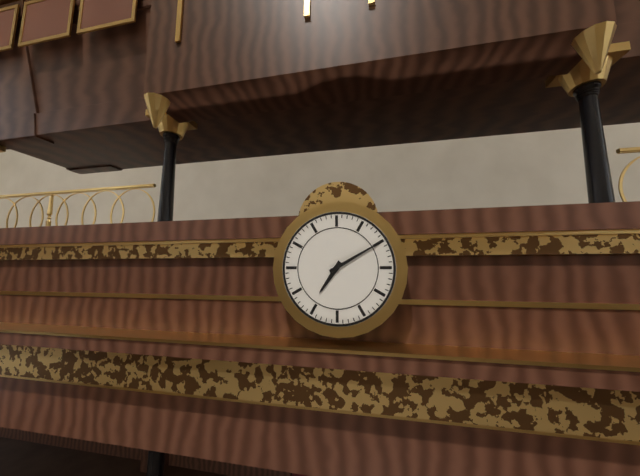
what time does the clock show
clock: 7:10
